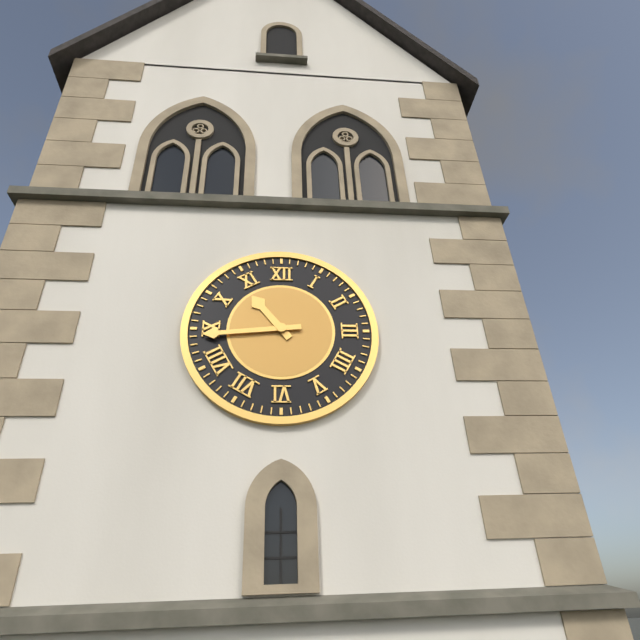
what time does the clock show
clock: 10:44
